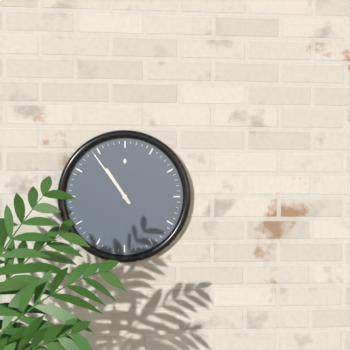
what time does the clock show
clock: 10:54
